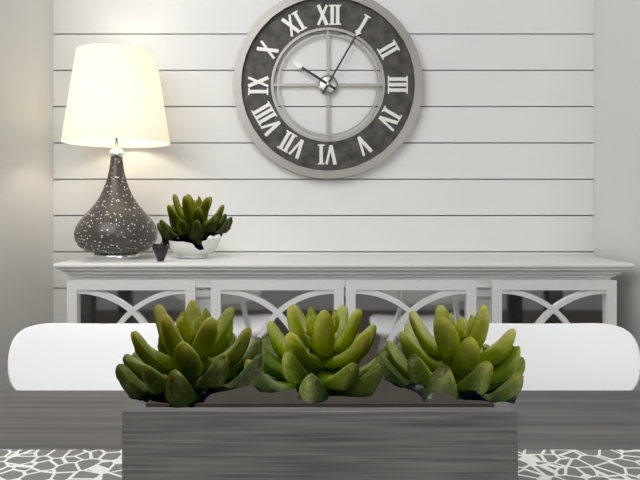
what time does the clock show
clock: 10:05
